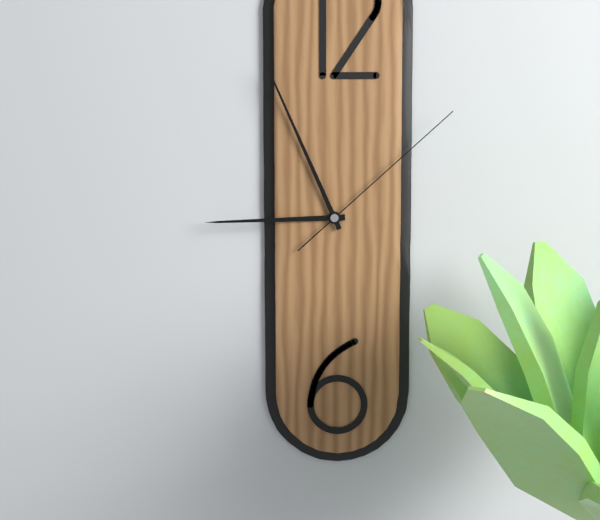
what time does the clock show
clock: 8:56:08
